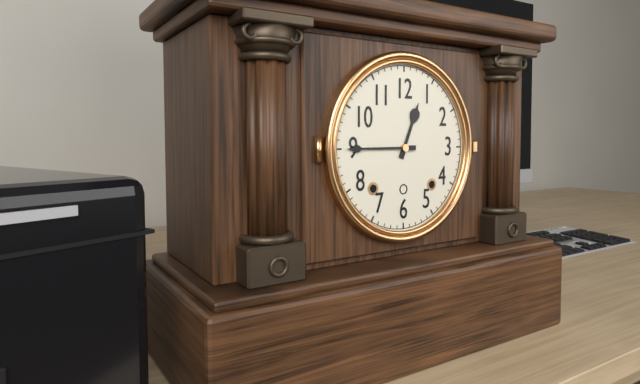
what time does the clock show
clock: 12:45
